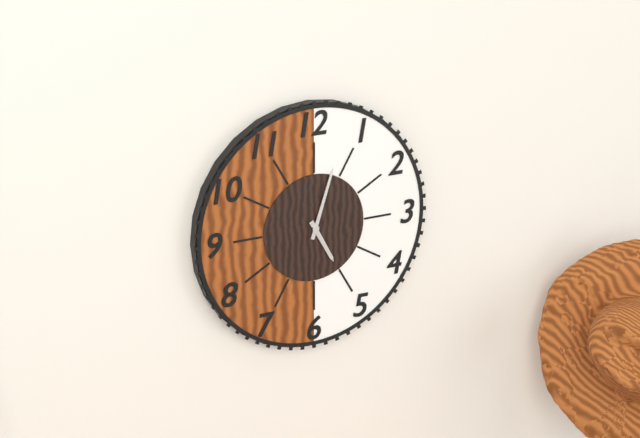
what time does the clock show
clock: 5:03
